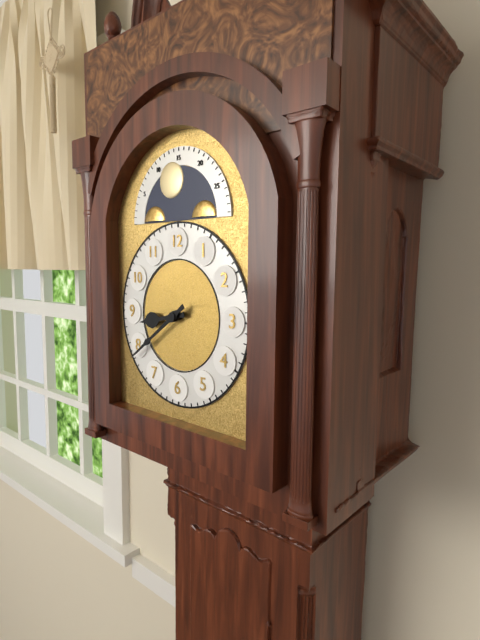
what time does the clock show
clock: 8:39
